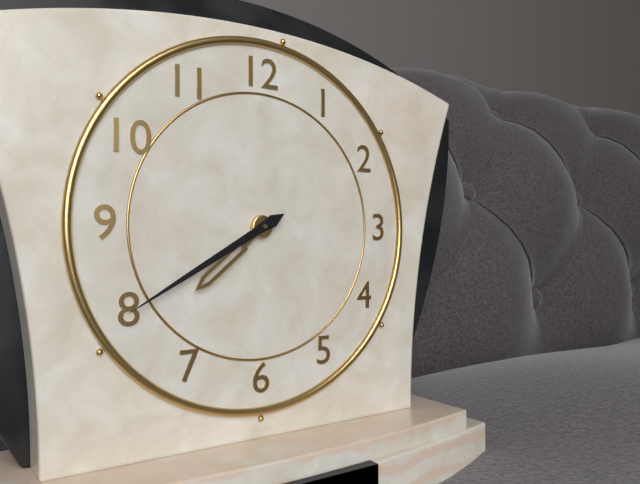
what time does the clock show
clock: 7:40
